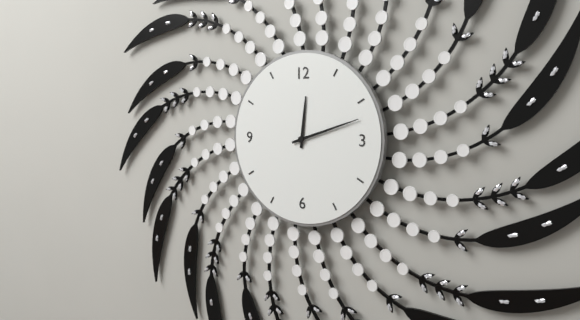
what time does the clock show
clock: 12:12
